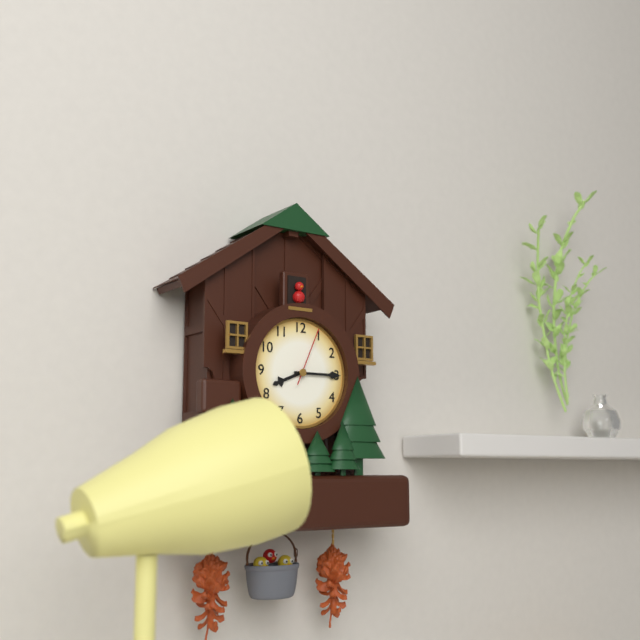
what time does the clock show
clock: 8:15:04
